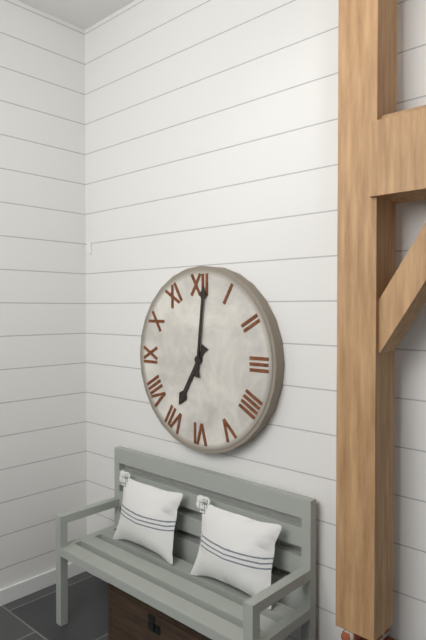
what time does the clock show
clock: 7:01
